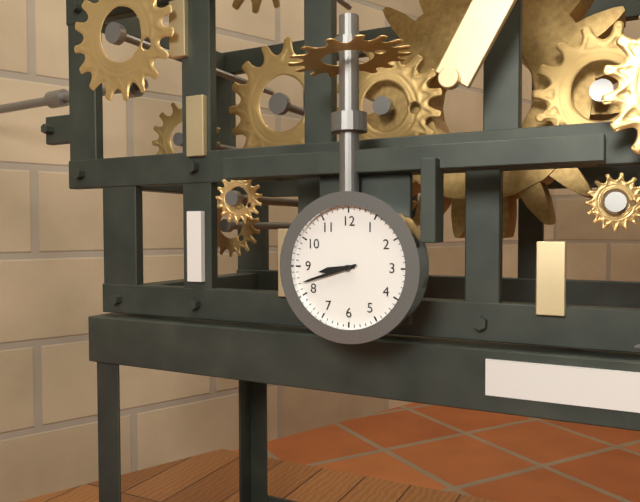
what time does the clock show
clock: 8:42
